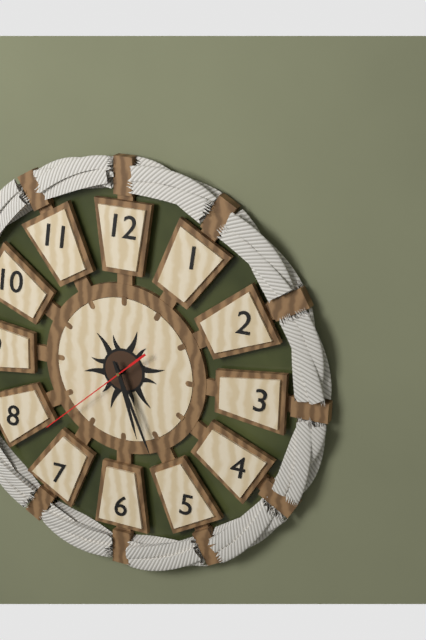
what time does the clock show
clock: 5:26:38
